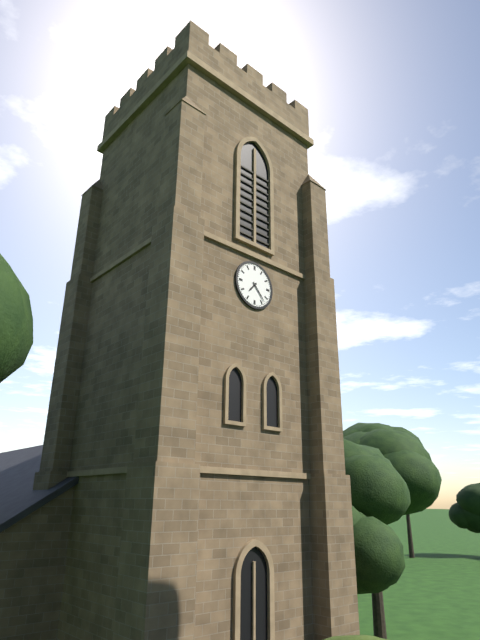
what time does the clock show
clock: 7:23
